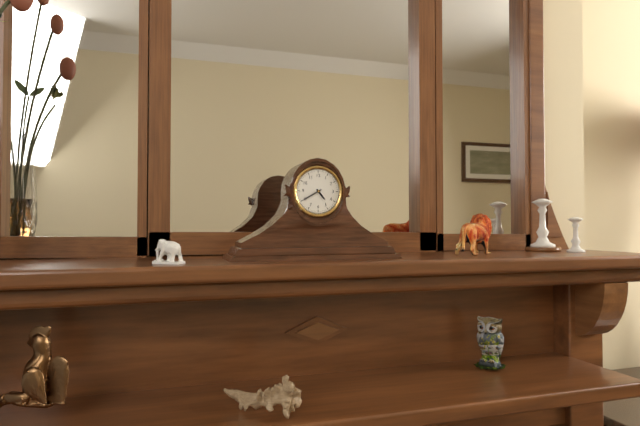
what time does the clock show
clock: 4:40
